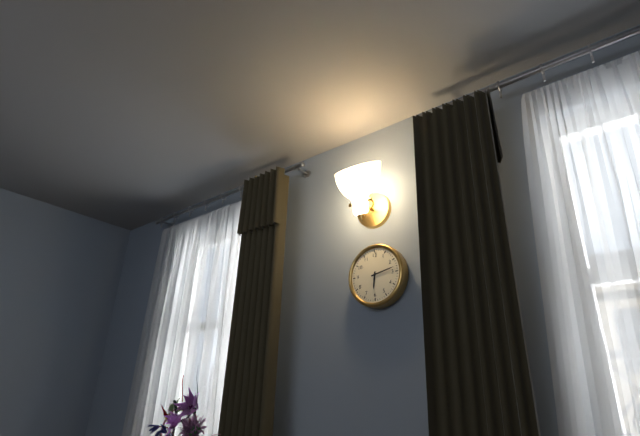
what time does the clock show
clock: 6:13
